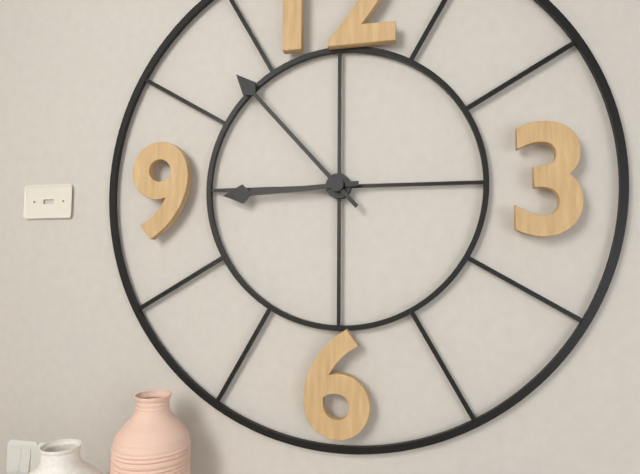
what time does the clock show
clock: 8:53
